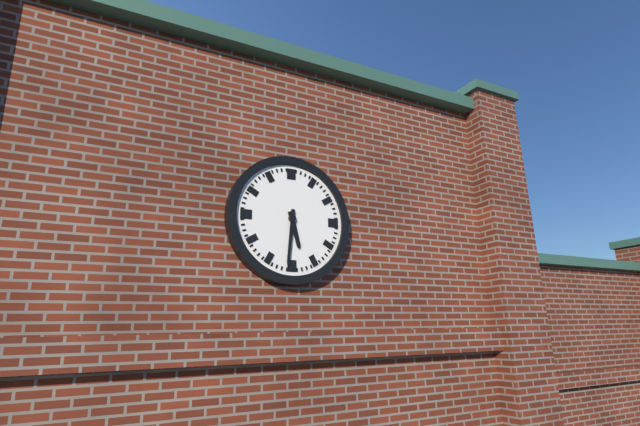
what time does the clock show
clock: 5:31
